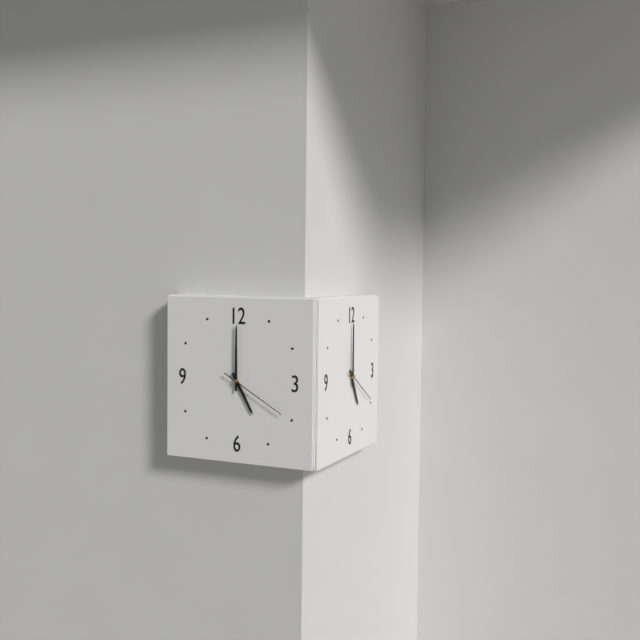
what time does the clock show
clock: 5:00:20
